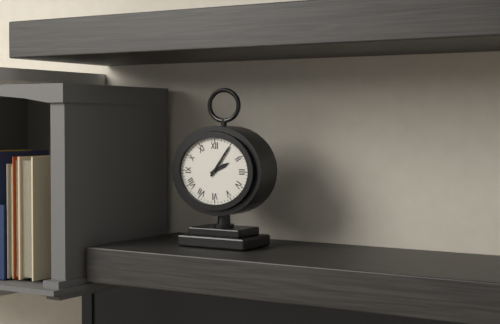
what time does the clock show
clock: 2:06
